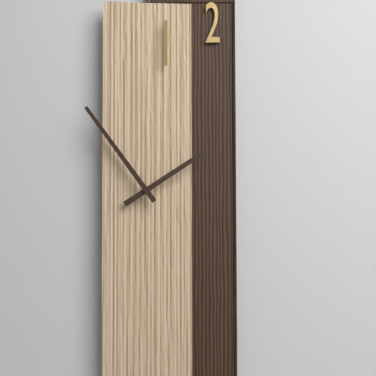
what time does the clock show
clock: 1:54
